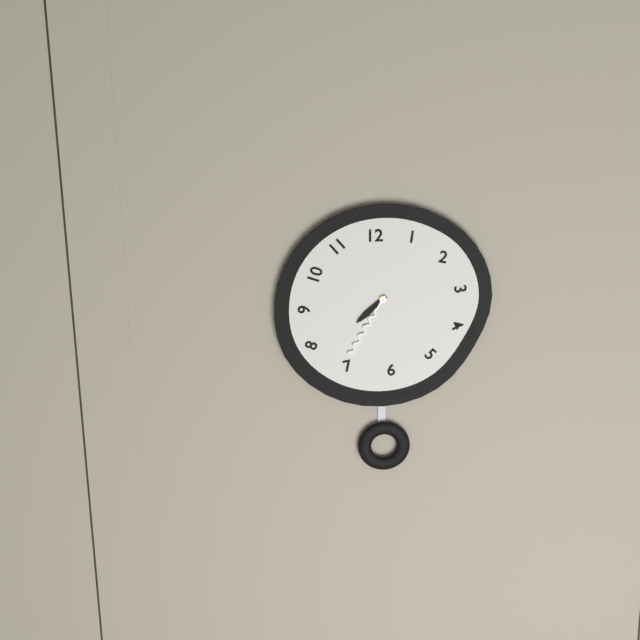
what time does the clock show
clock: 7:35
